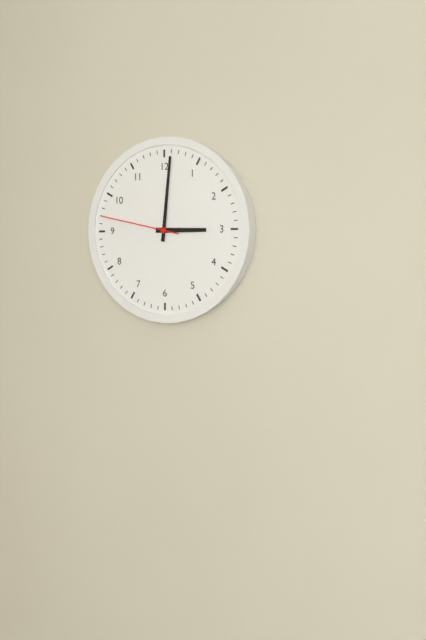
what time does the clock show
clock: 3:01:47
